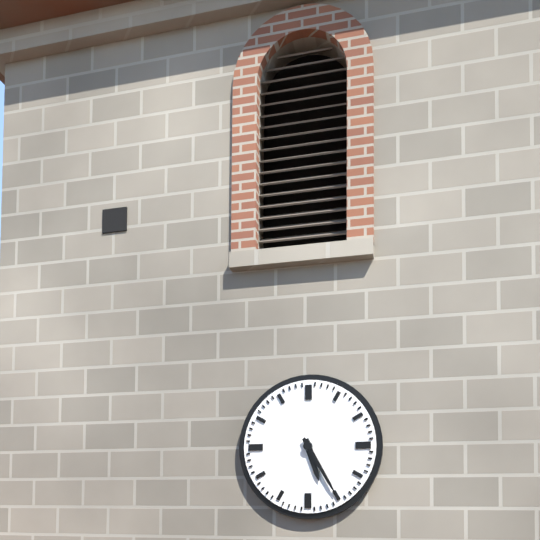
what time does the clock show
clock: 5:25
